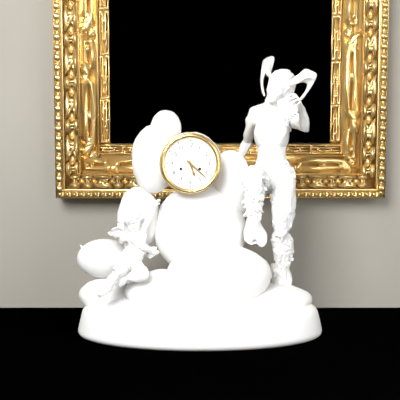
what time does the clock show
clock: 5:22
